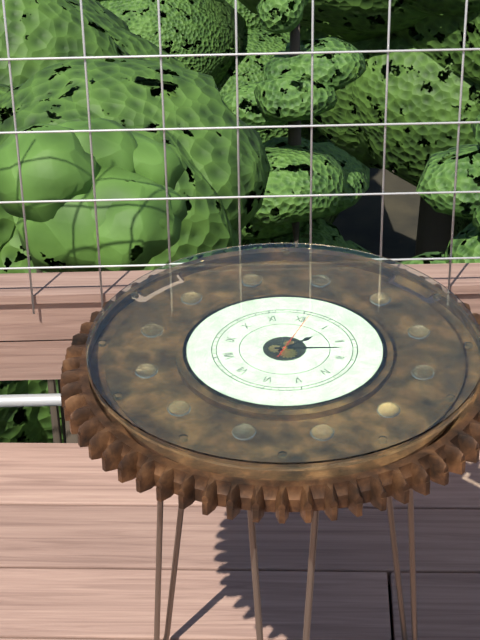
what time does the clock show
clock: 1:12:01
